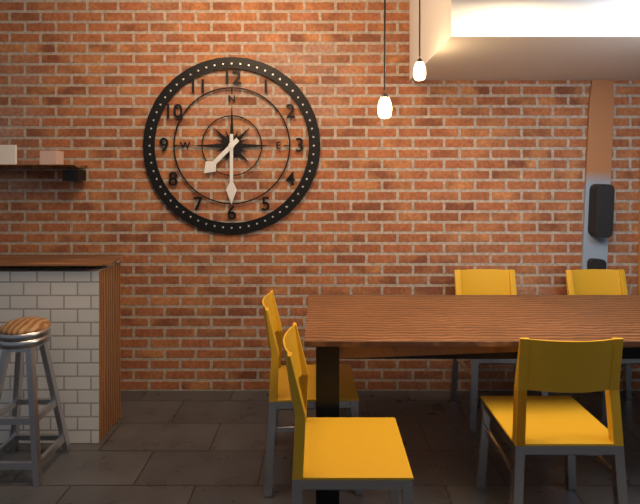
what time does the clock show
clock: 7:30
